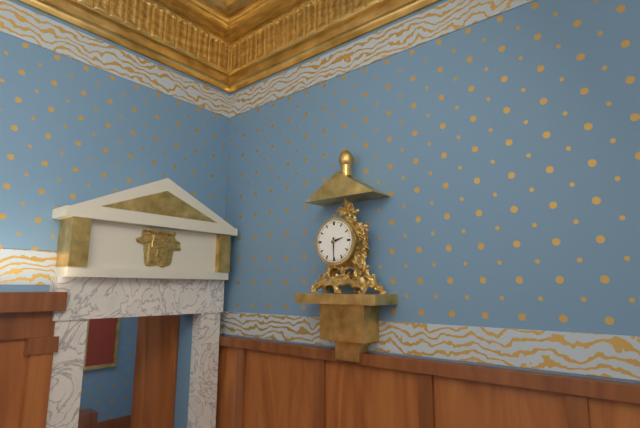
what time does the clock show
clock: 2:30
